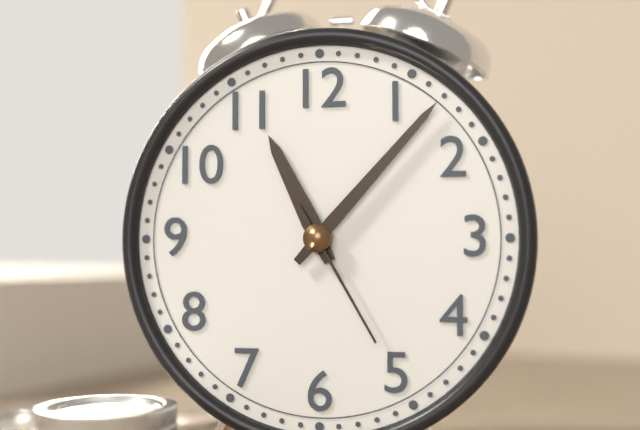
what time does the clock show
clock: 11:07:25
